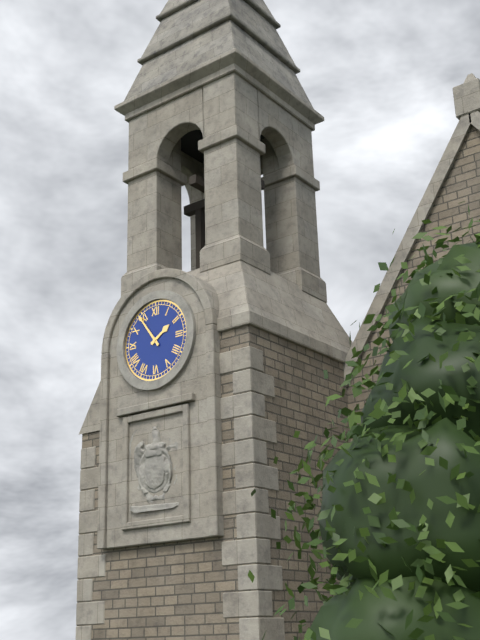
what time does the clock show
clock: 1:54
